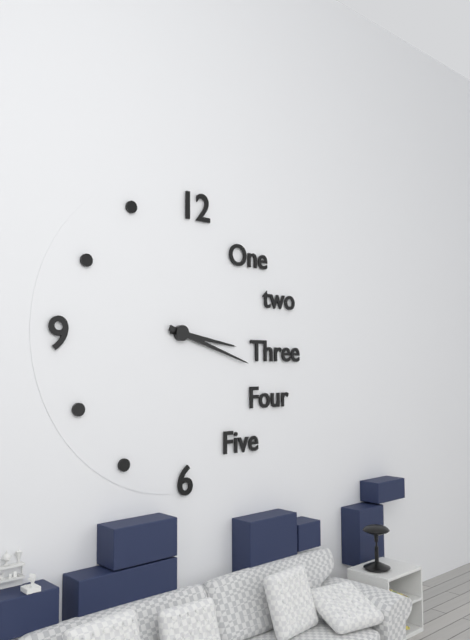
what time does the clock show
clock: 3:18
